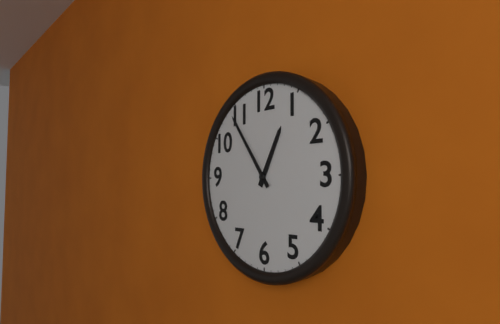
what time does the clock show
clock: 12:54
